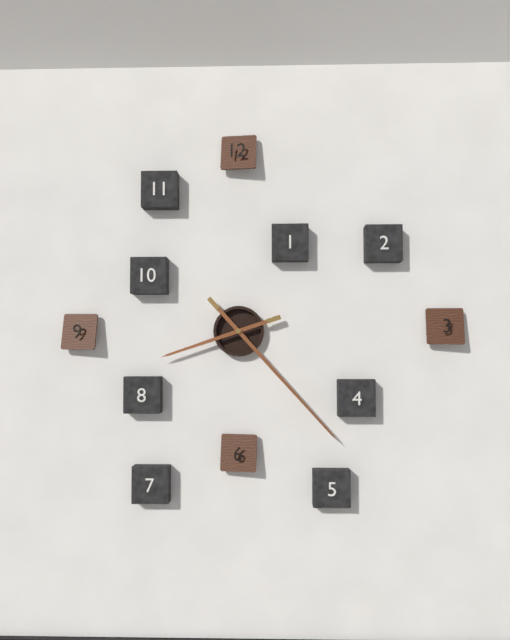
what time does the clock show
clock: 8:23
